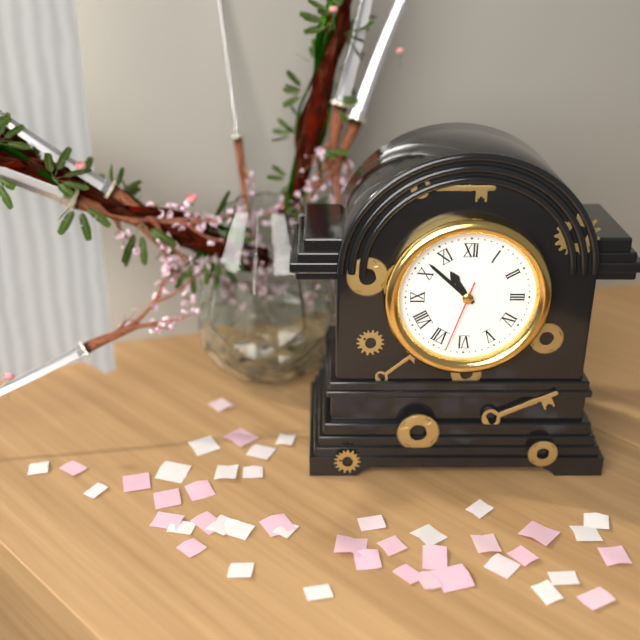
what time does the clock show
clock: 10:52:33
